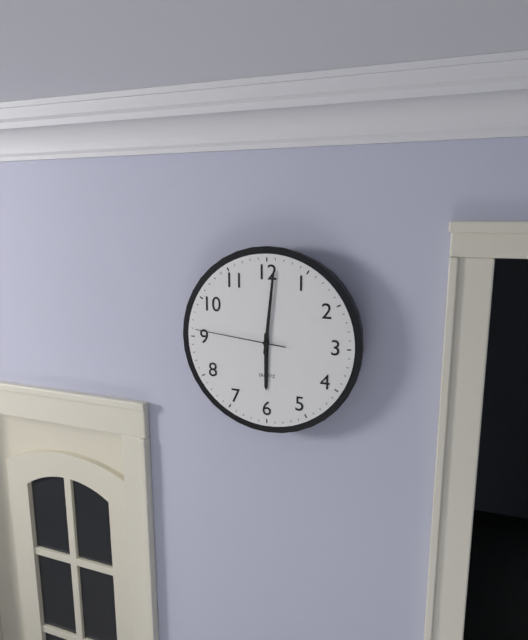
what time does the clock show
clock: 6:01:46
